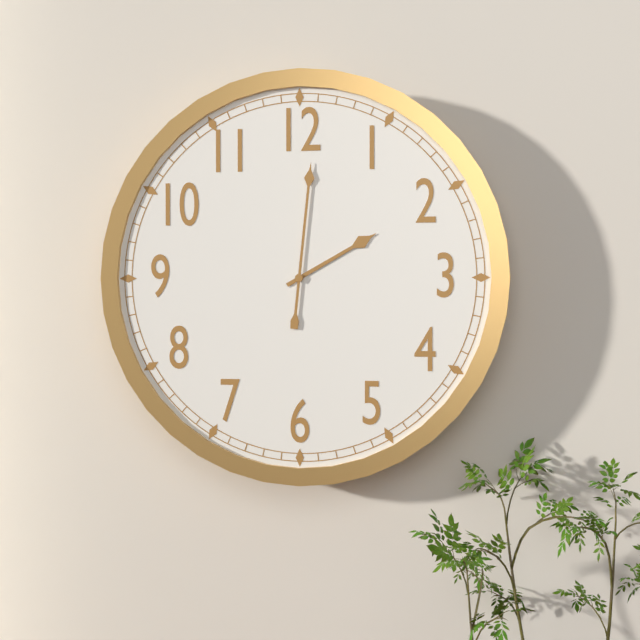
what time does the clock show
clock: 2:01
